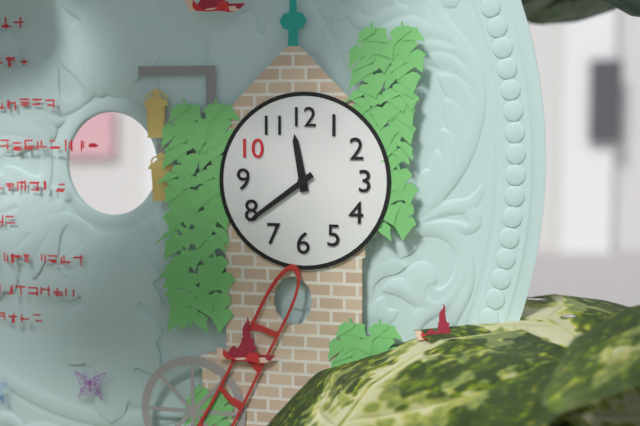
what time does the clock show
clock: 11:39
